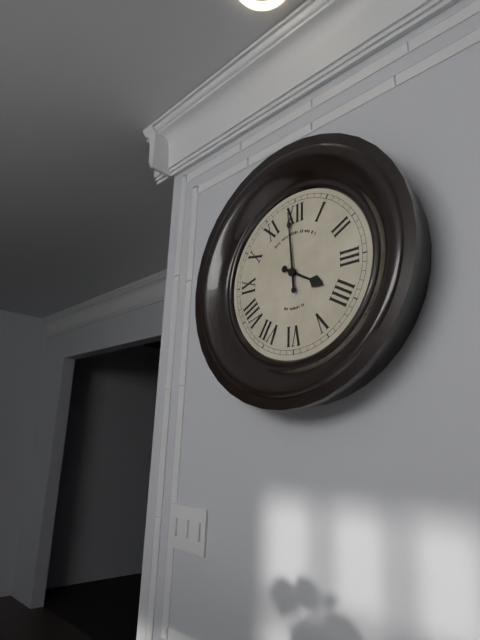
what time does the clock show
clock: 3:59
